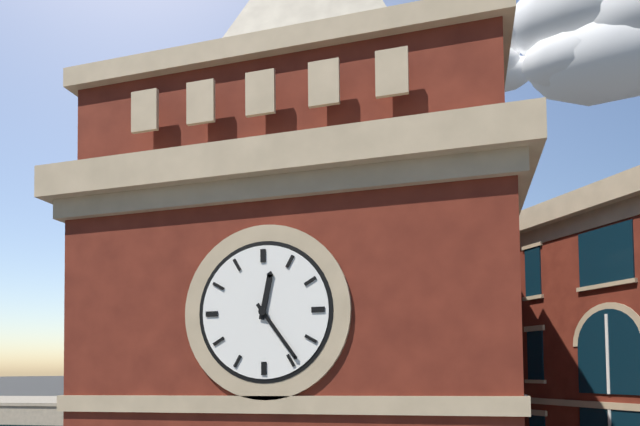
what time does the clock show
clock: 12:24
